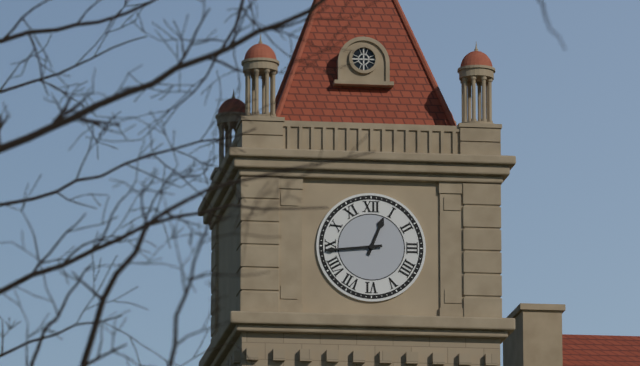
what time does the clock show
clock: 12:44
